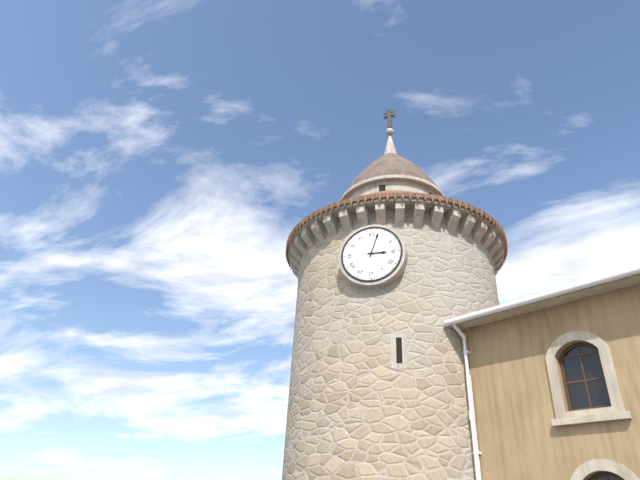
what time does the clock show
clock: 3:03
